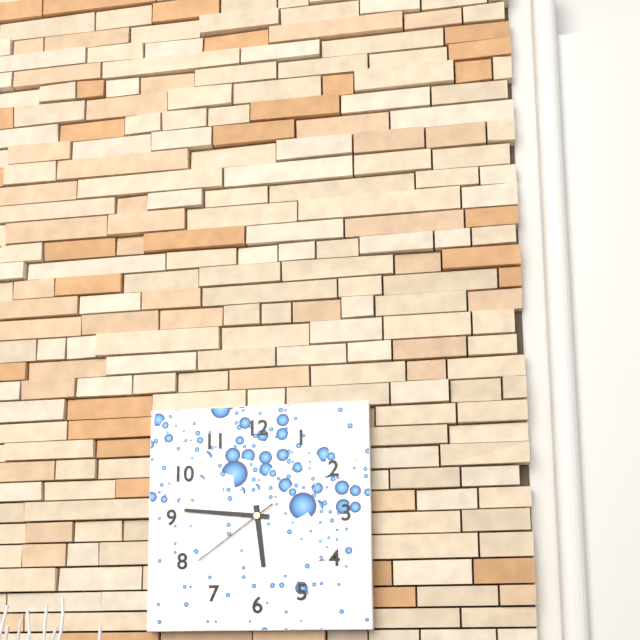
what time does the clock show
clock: 5:46:39
